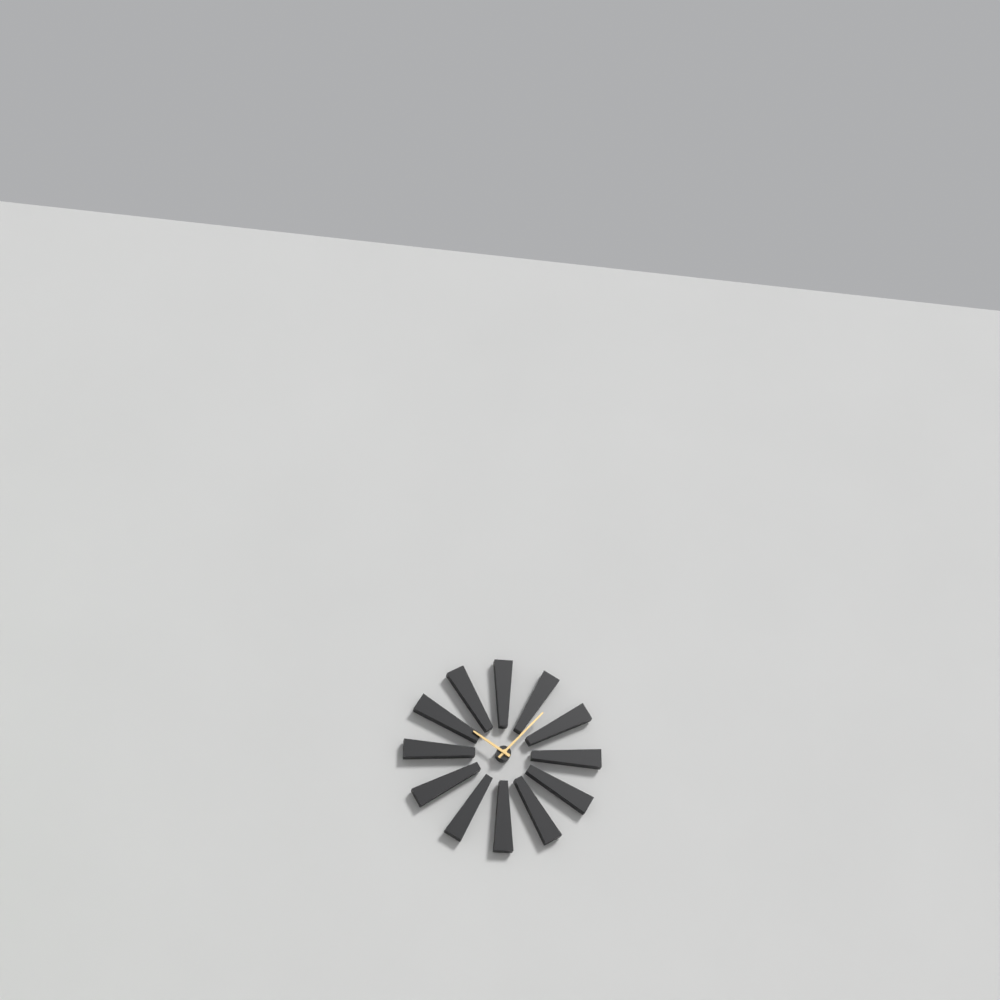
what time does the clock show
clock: 10:07
